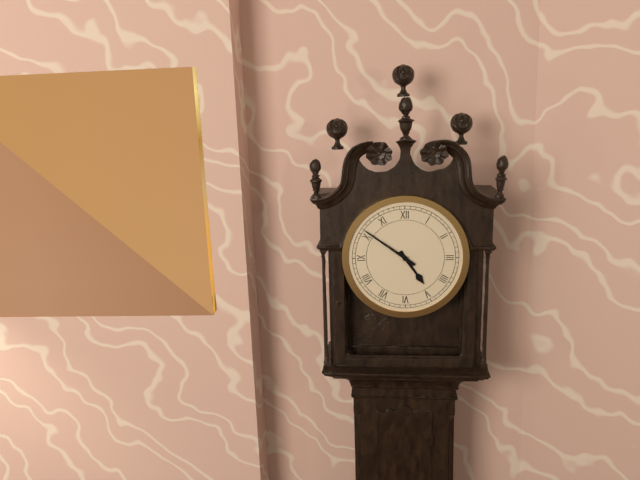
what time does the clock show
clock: 4:51
